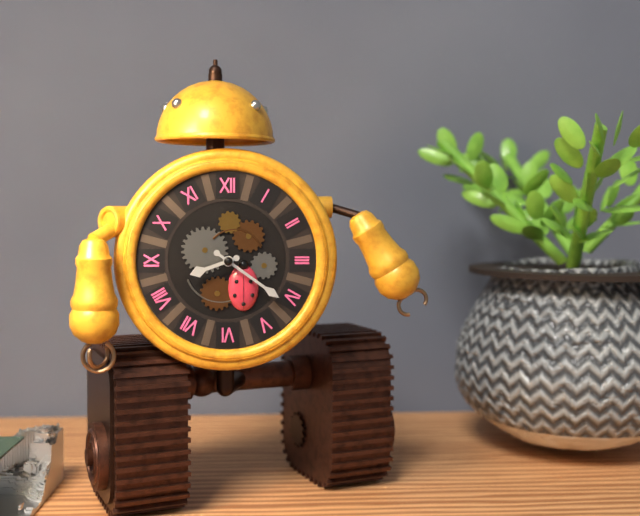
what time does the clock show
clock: 8:21
